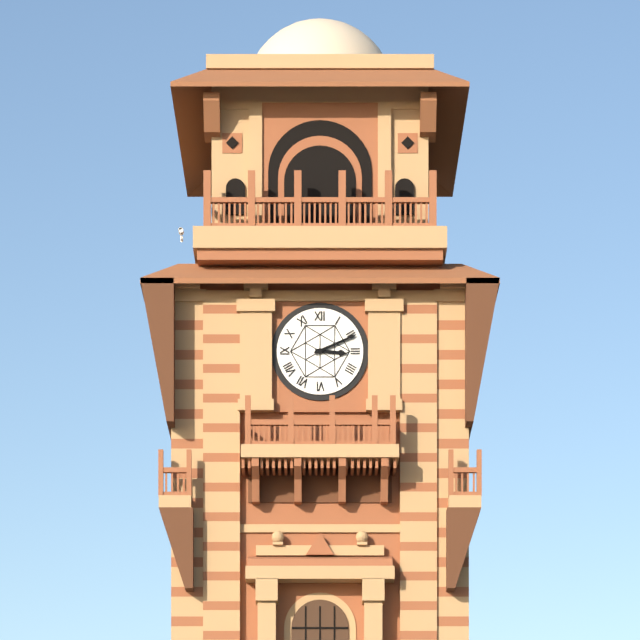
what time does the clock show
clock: 3:11
